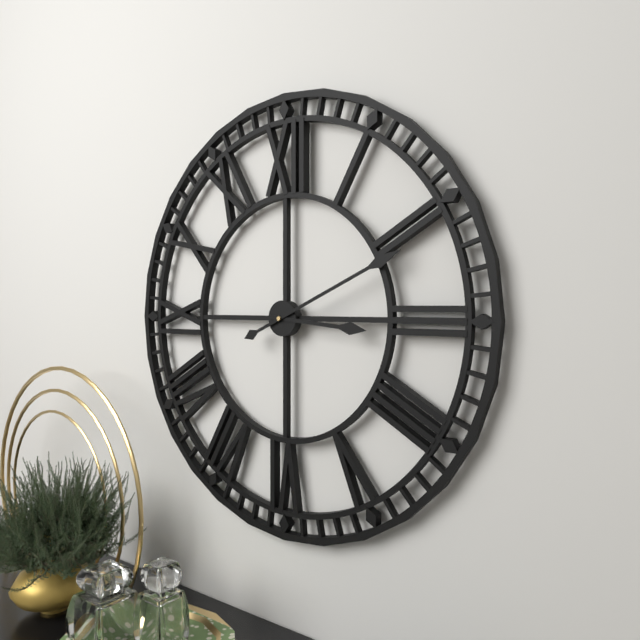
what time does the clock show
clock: 3:11
